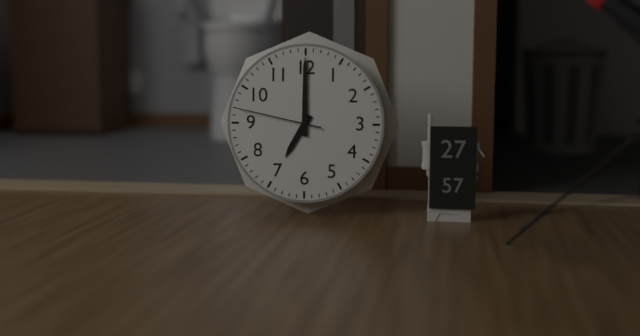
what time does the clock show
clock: 7:00:47
